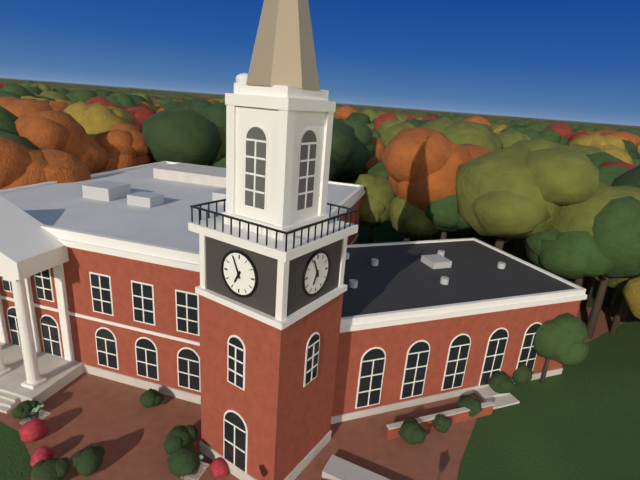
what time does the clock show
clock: 6:56
